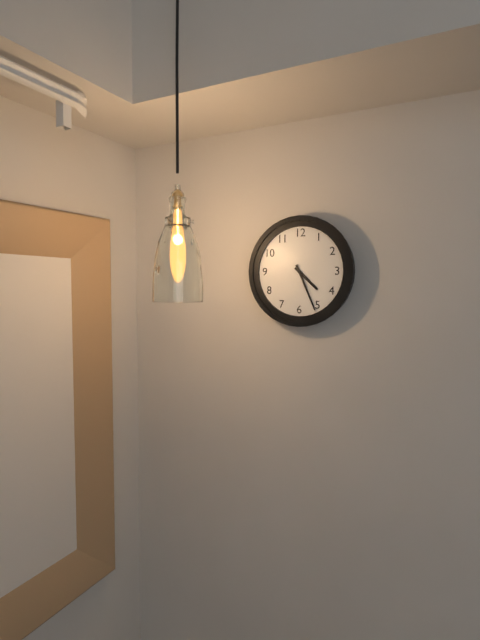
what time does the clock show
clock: 4:26
